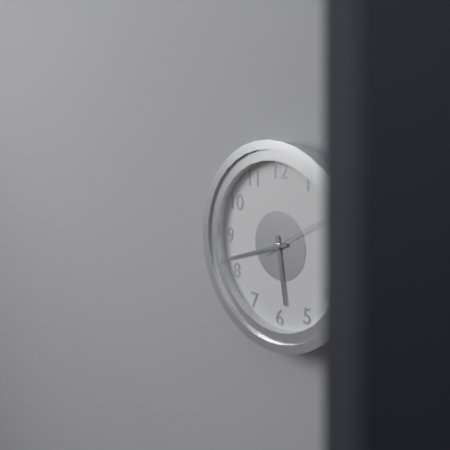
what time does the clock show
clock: 5:42:10
